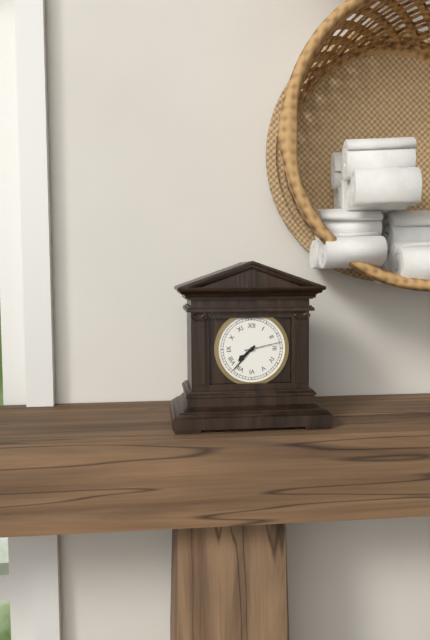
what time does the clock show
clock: 7:37
